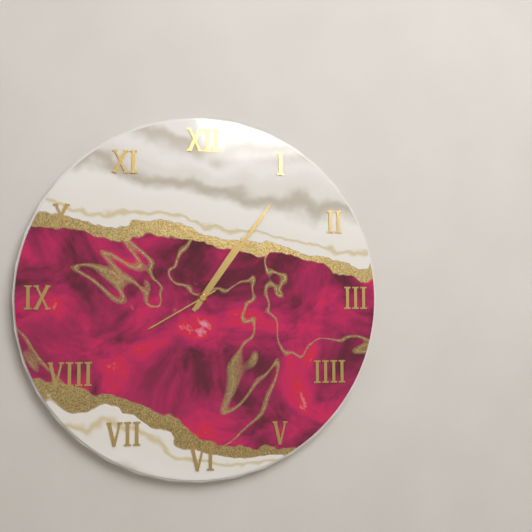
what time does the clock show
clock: 1:06:40
